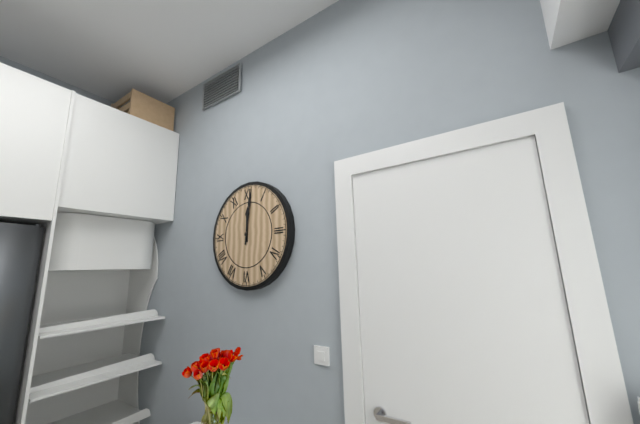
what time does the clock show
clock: 12:01
